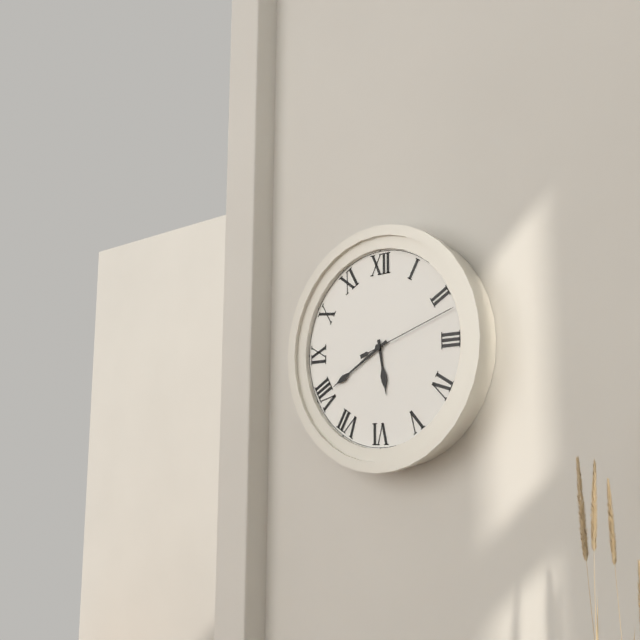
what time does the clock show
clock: 5:40:12
